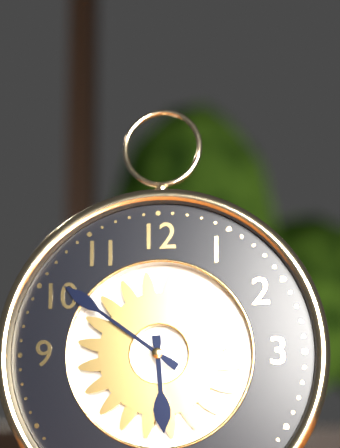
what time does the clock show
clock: 5:51
